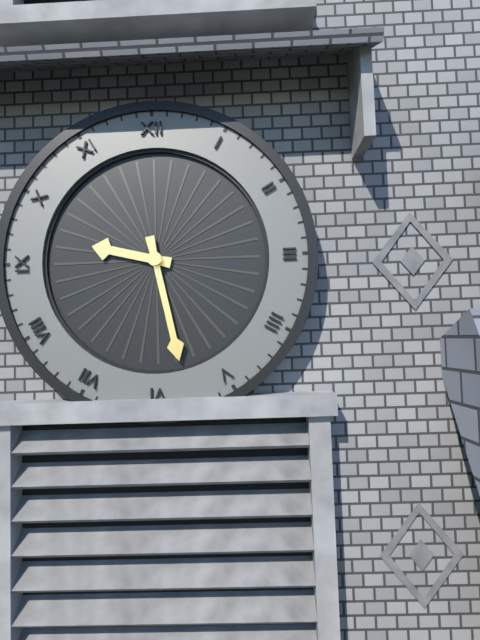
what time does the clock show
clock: 9:28
